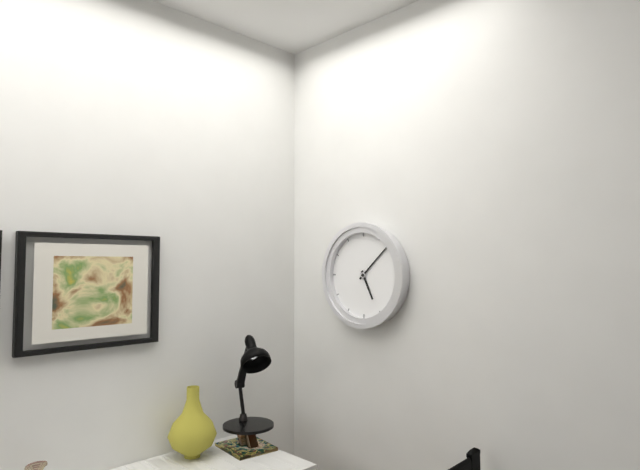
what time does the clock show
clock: 5:08
